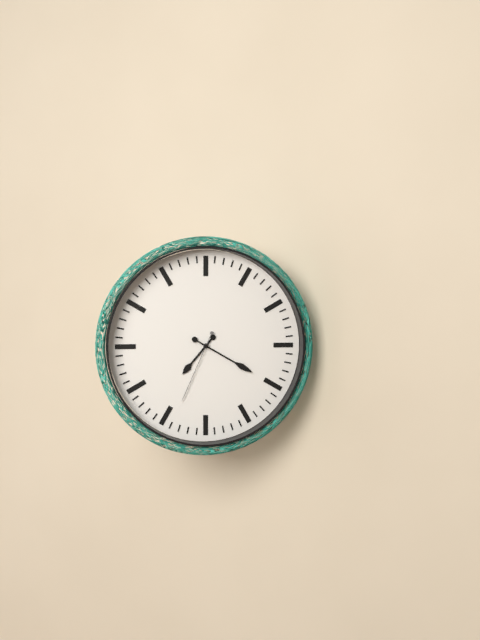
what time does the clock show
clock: 7:20:34
